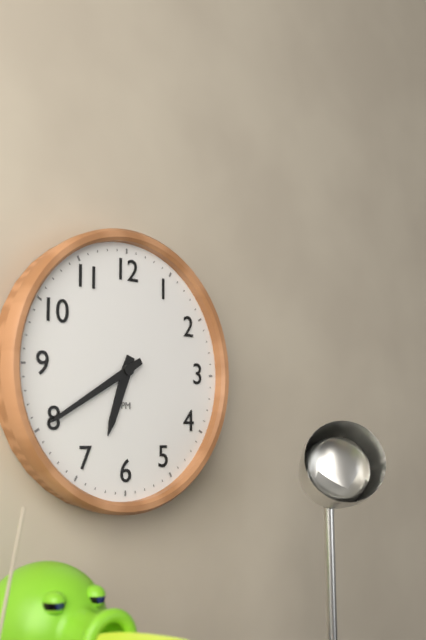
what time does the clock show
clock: 6:40
